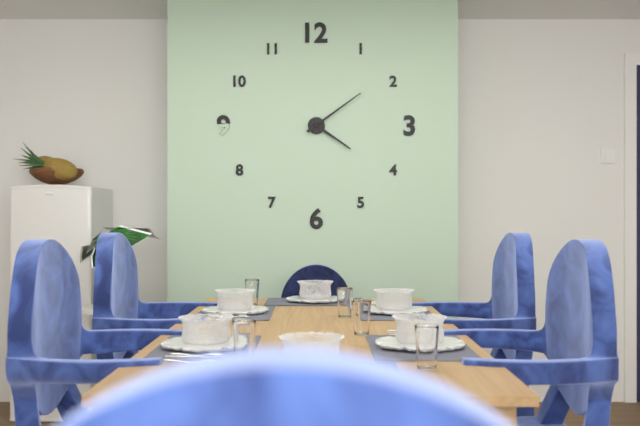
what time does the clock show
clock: 4:09
